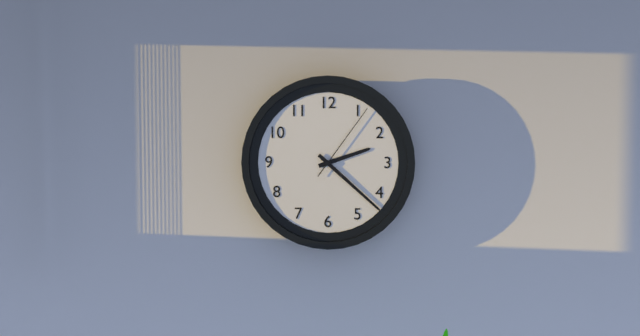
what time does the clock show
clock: 2:22:06
